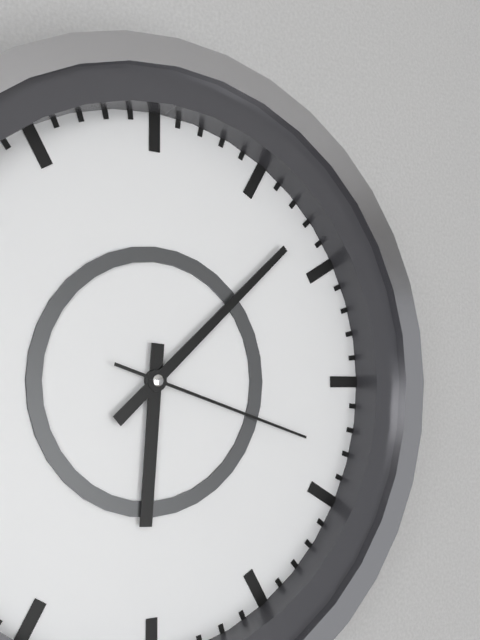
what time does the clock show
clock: 6:08:18
